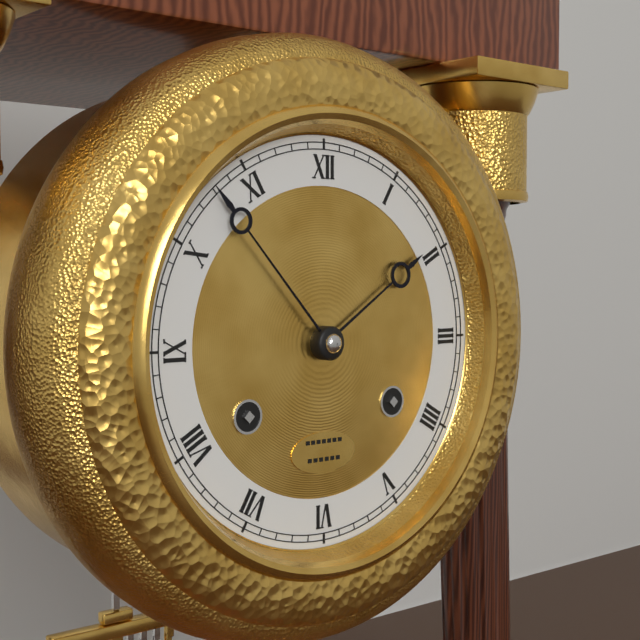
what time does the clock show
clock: 1:53
